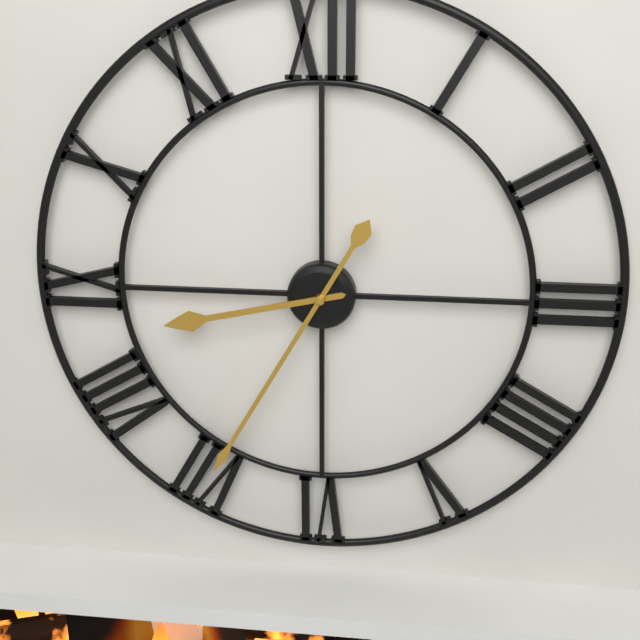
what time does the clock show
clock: 8:35
